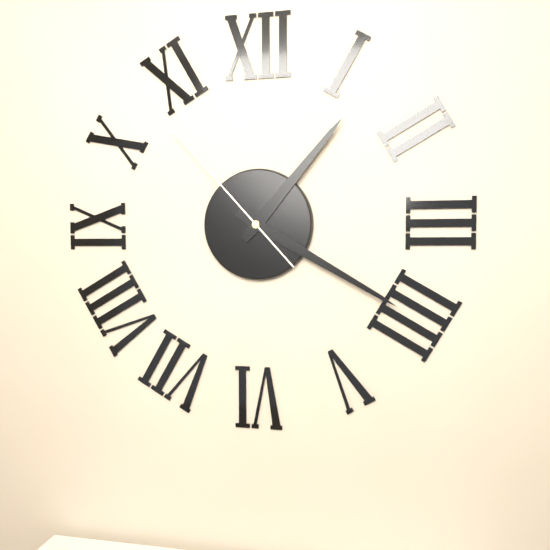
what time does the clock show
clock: 1:20:53
